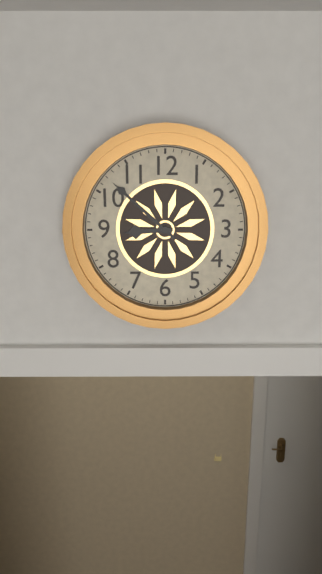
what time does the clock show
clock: 8:52
